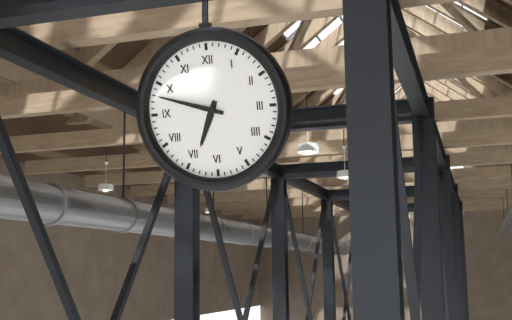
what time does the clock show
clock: 6:48
